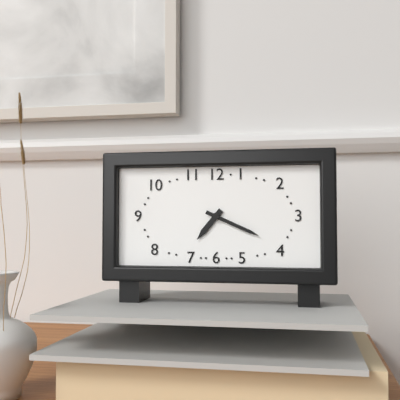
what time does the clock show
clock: 7:19
